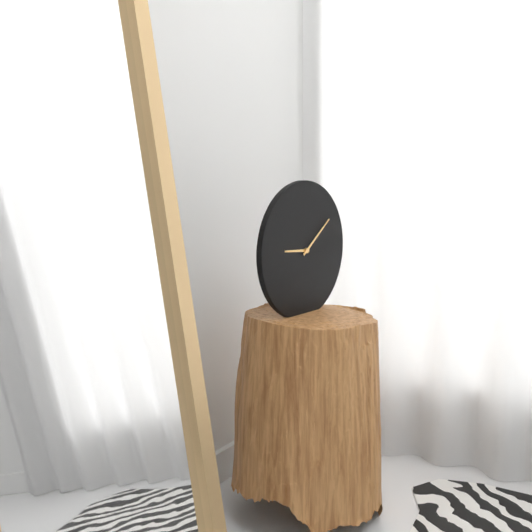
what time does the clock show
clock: 9:09
